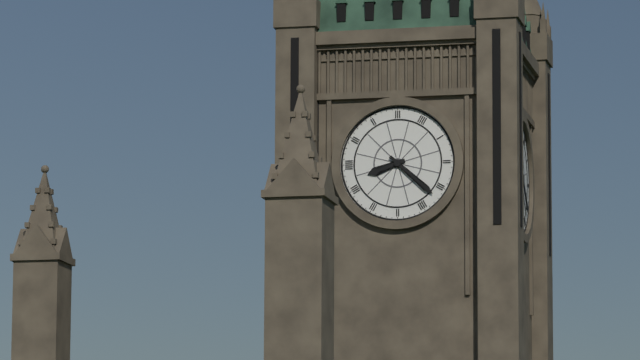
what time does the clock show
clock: 8:22
